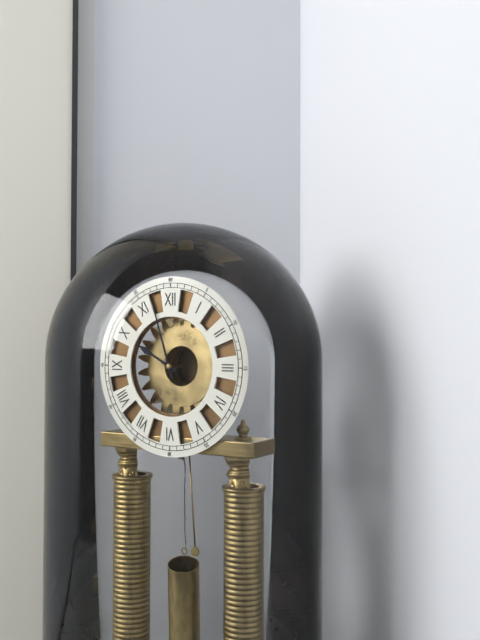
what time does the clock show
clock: 9:57
